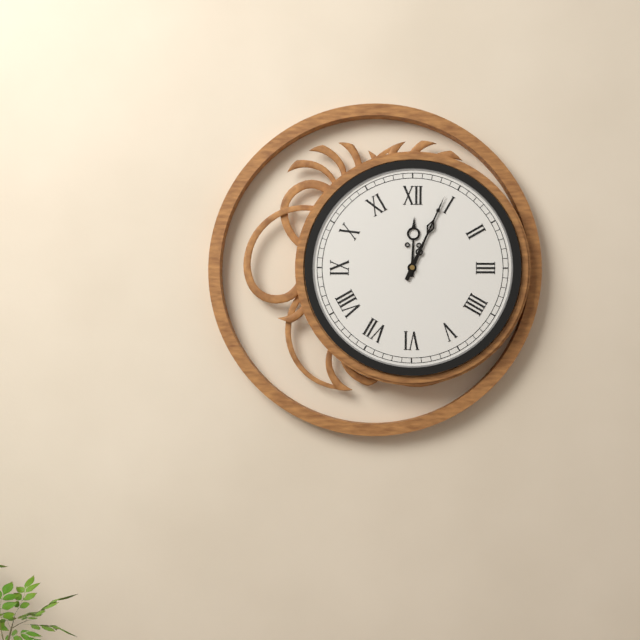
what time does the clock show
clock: 12:04
